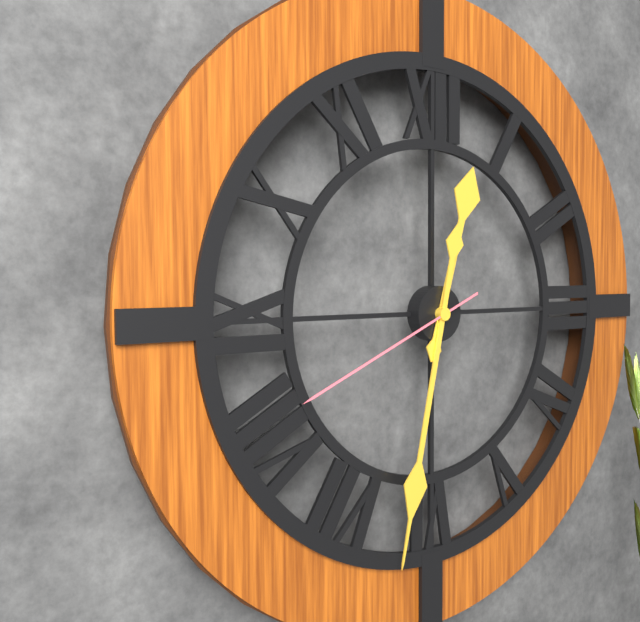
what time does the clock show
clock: 12:32:41
